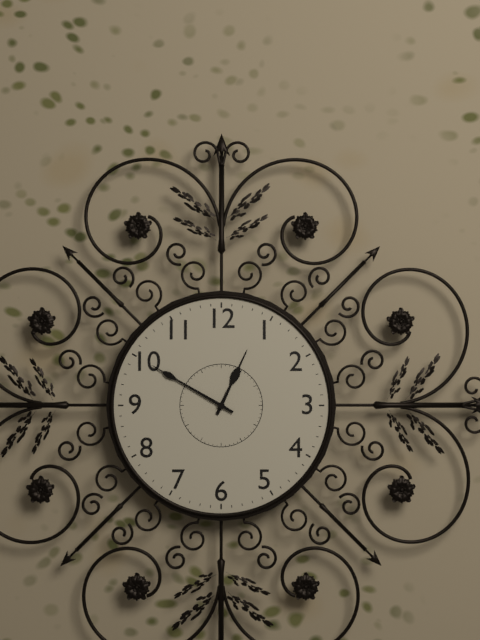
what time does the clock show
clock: 12:50
